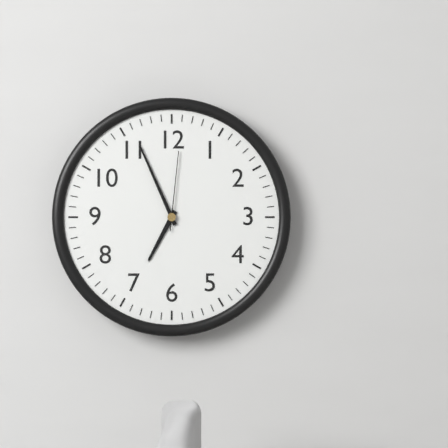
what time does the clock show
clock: 6:56:01
